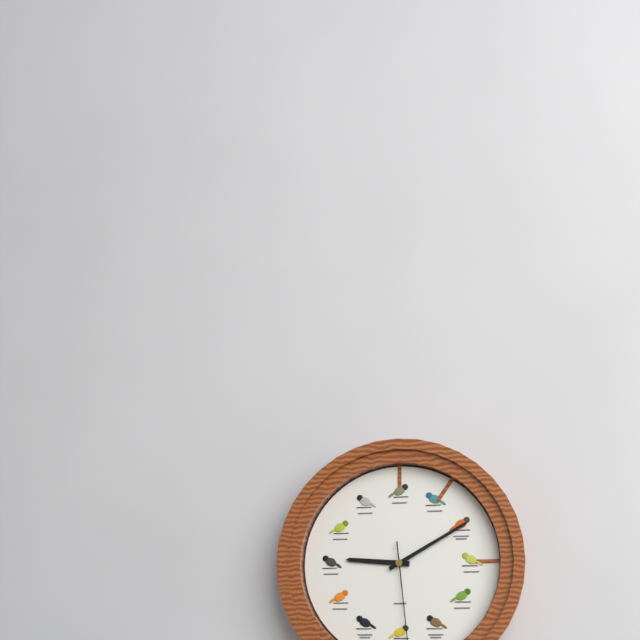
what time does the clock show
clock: 9:10
